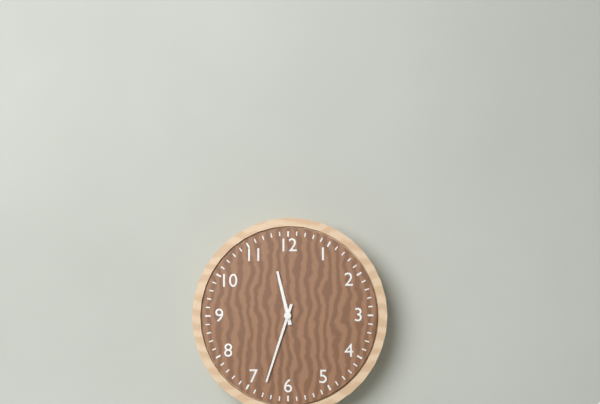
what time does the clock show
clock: 11:33
